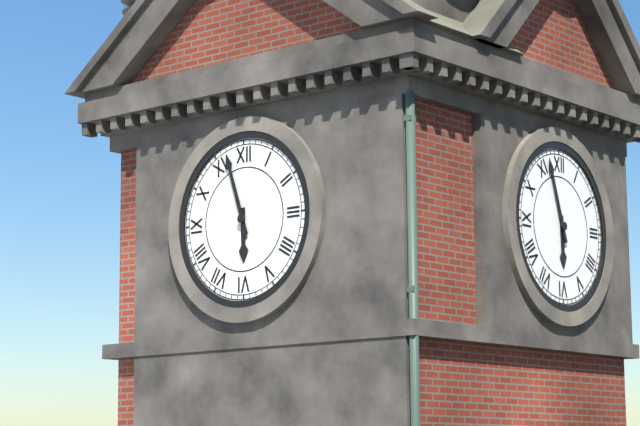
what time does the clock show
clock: 5:57
